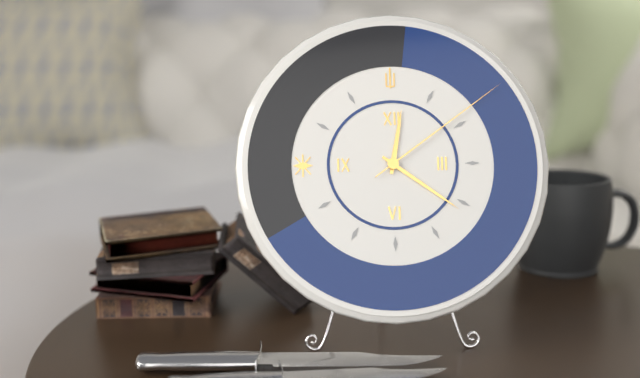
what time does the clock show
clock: 12:21:09
